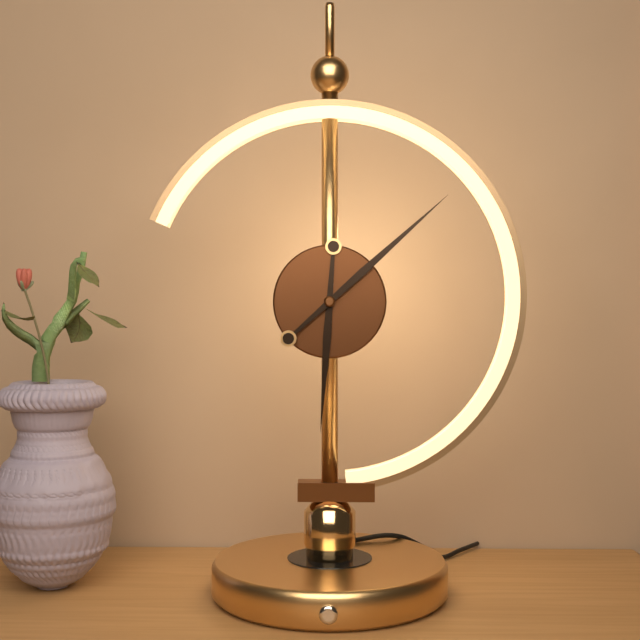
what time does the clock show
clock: 6:08
